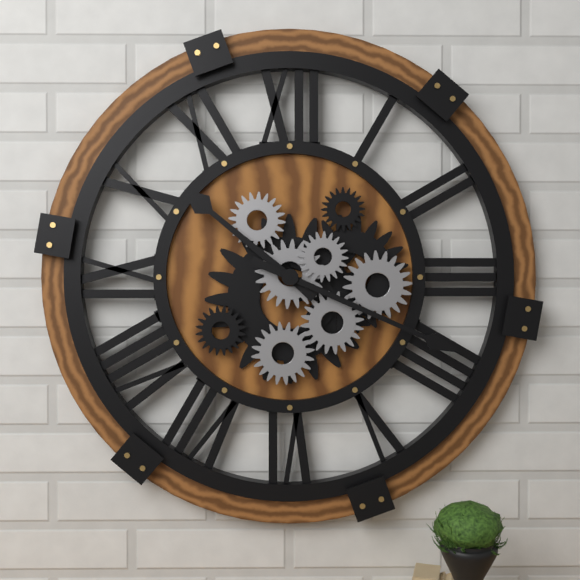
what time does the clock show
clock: 10:19
